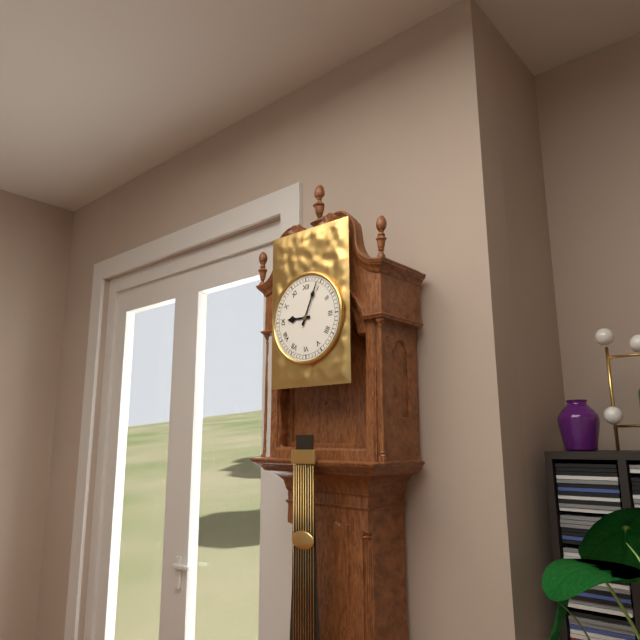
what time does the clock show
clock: 9:04
